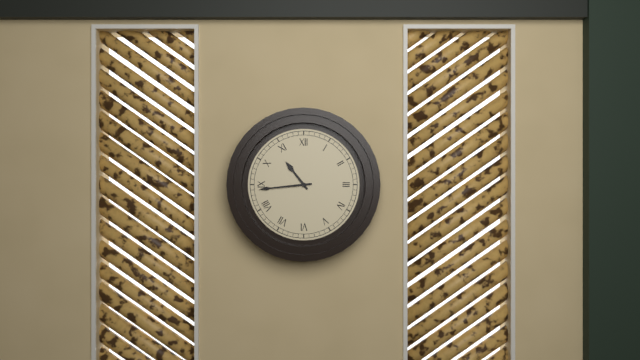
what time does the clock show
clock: 10:44
